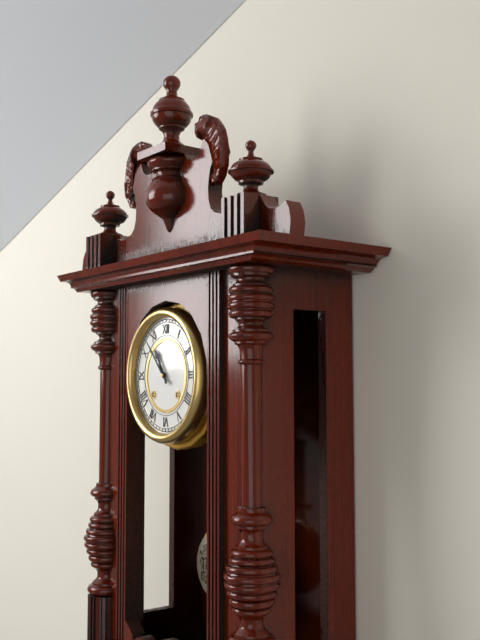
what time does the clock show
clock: 10:53
